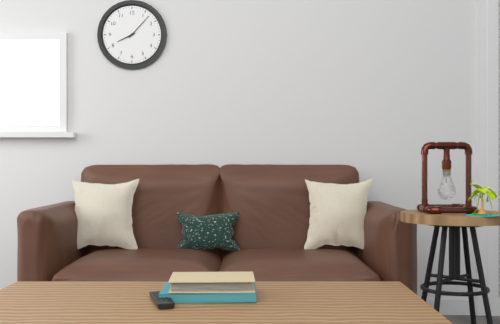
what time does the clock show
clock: 8:07
